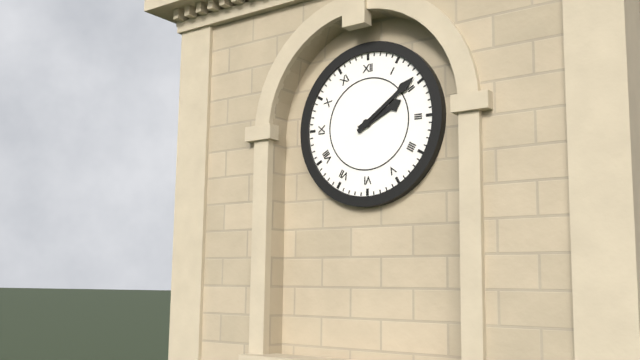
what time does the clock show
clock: 2:09
